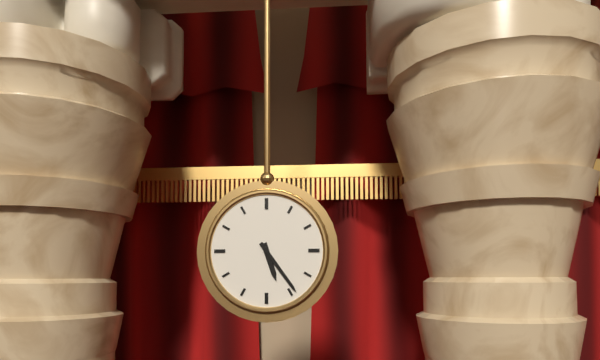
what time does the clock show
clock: 5:24
